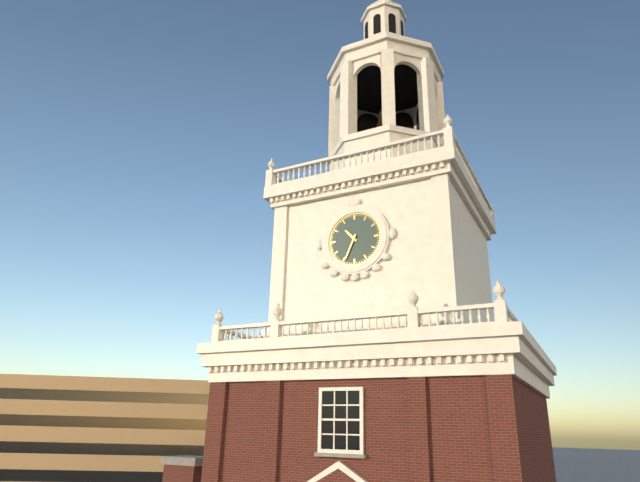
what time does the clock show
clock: 10:34
